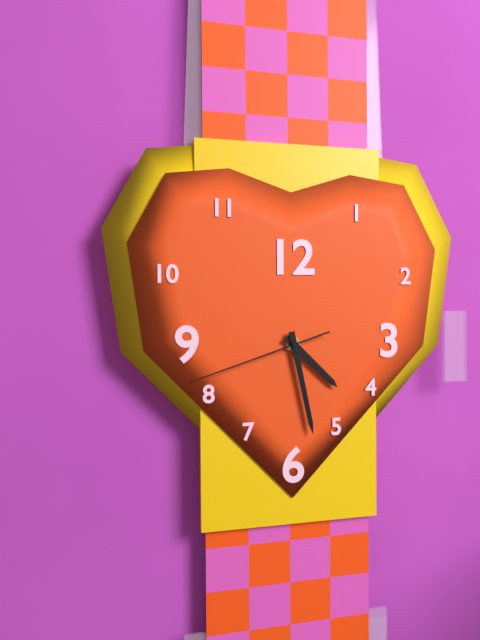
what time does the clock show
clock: 4:28:42
